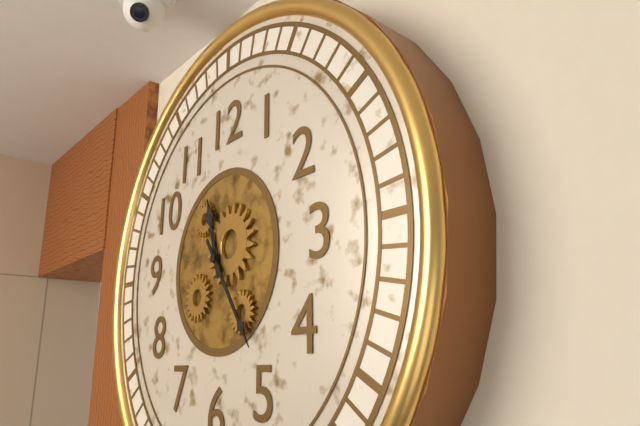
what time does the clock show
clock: 11:24
